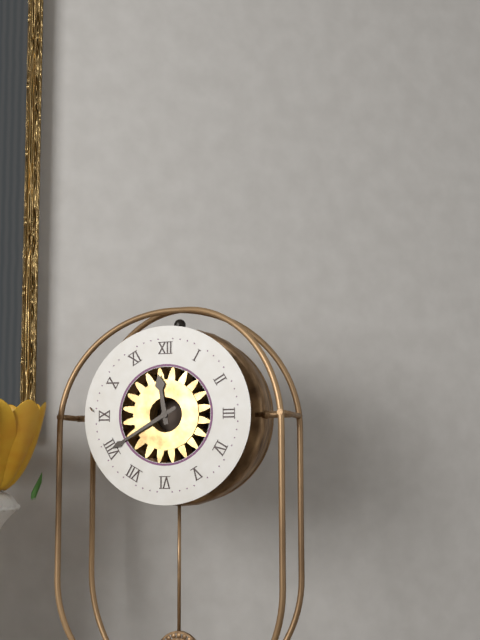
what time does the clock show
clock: 11:40
